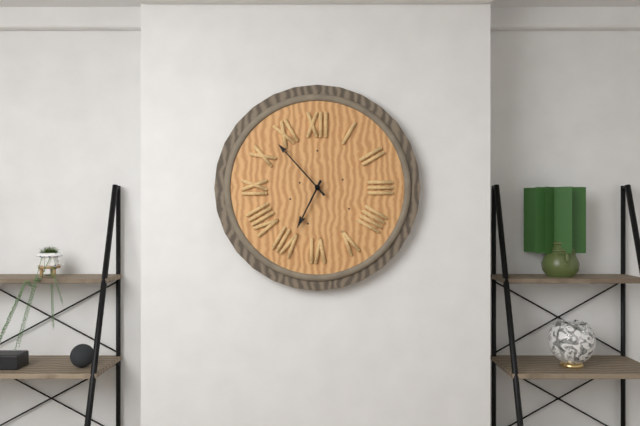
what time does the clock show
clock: 6:53
